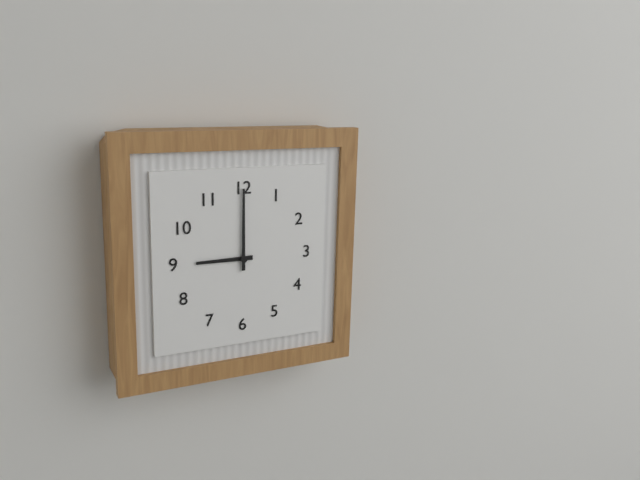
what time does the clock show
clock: 9:00
